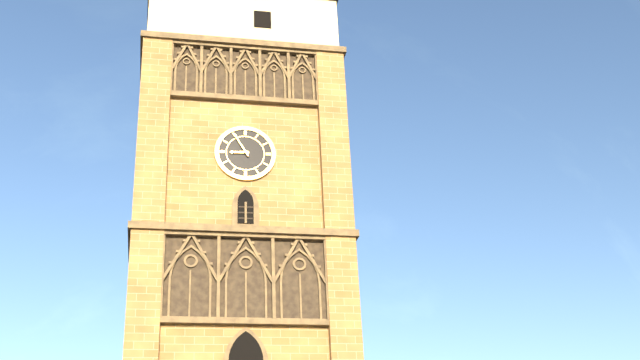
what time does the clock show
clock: 8:55
